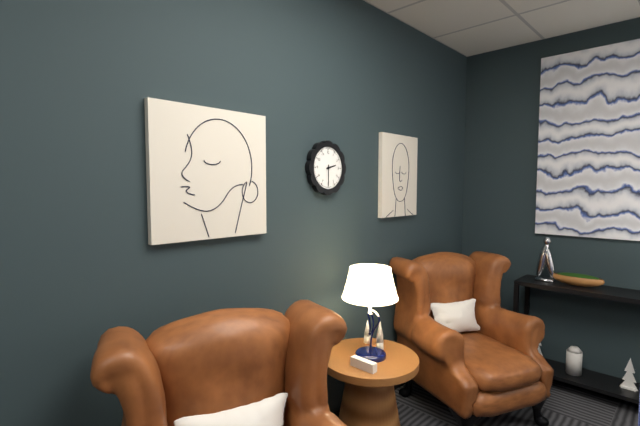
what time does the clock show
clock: 2:30
